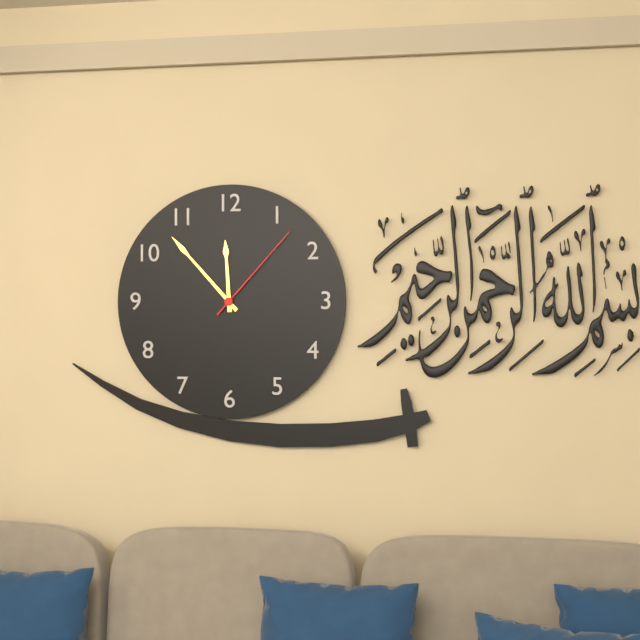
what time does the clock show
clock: 11:53:07
